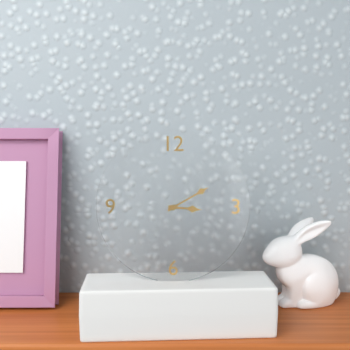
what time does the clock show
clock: 3:10
